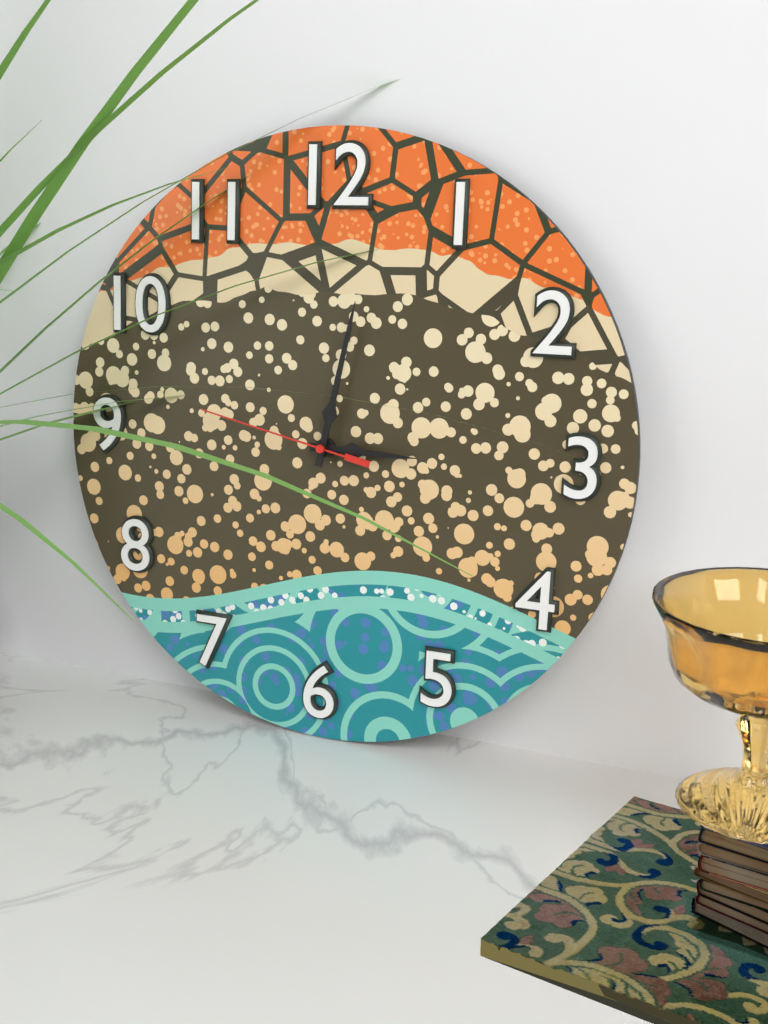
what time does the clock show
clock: 3:02:47
